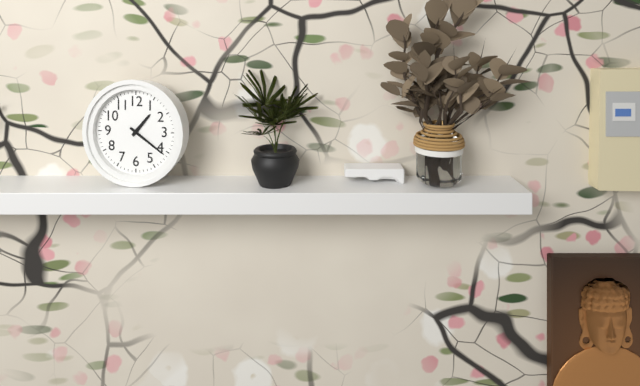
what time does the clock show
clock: 1:21
